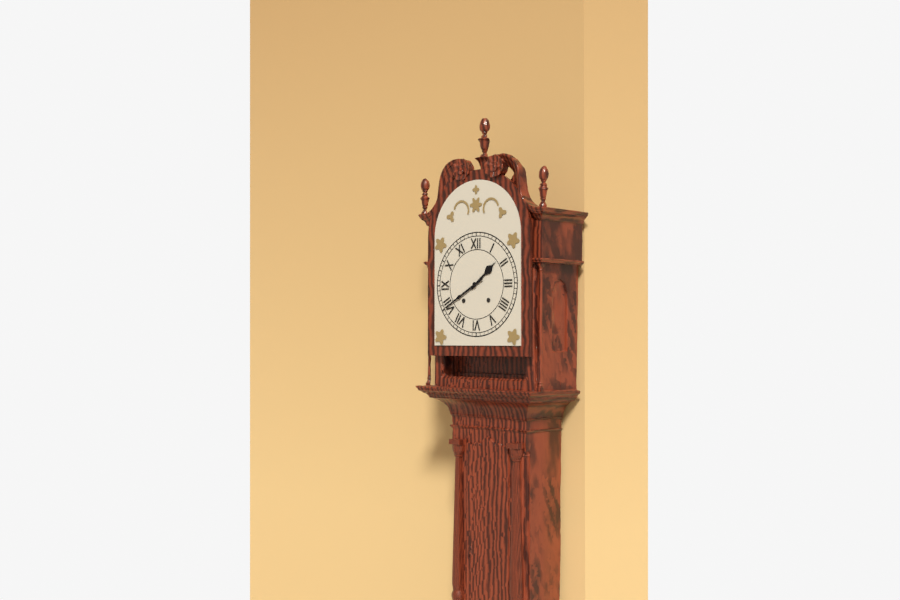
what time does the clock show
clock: 1:40
